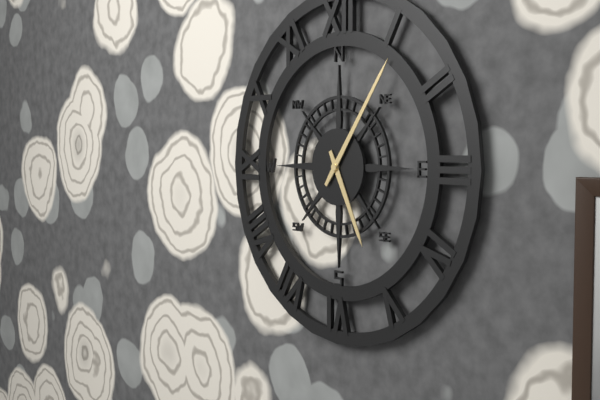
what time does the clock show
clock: 5:06
